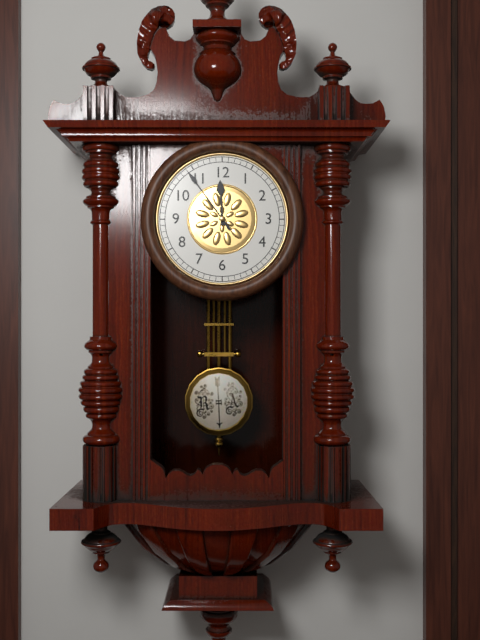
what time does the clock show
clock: 11:54
